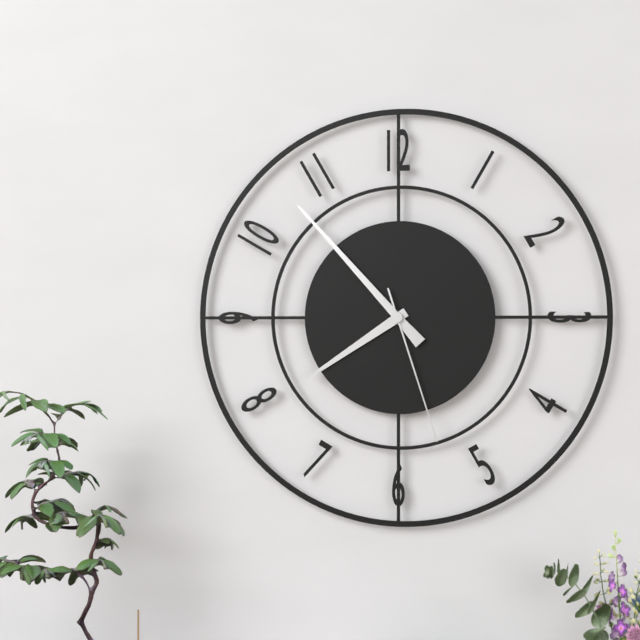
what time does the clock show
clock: 7:53:27
